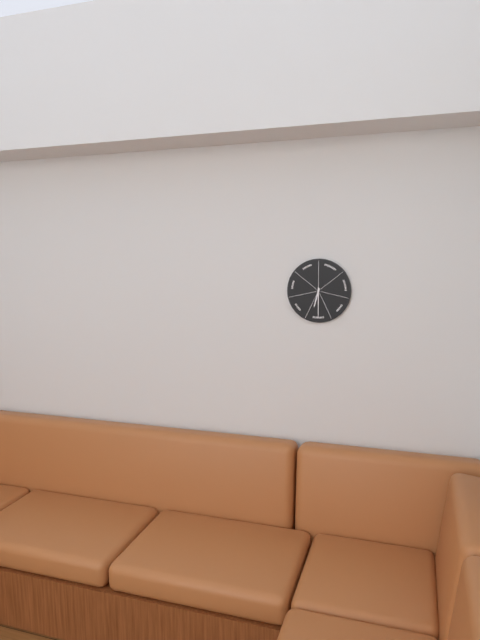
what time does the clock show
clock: 6:30
